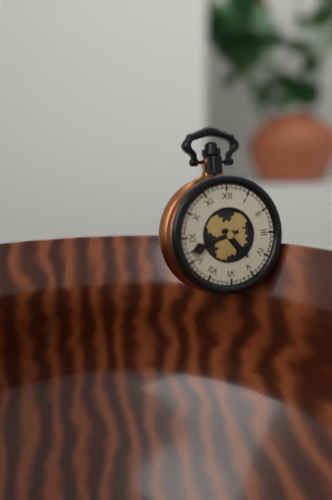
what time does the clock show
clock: 4:42
